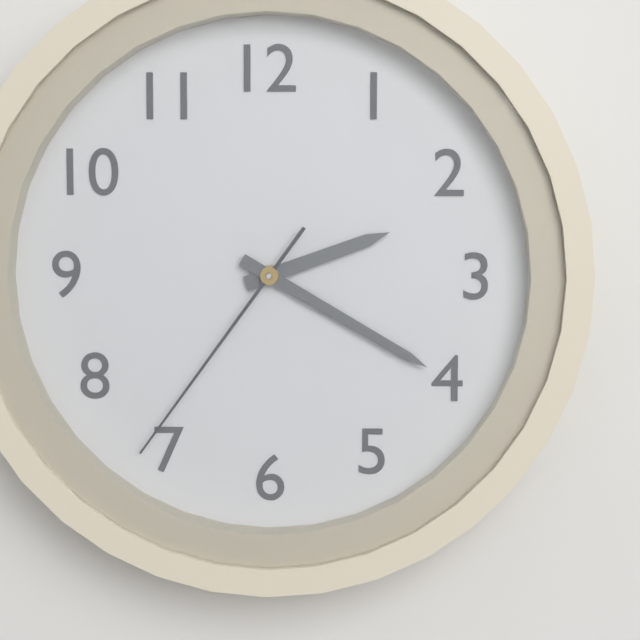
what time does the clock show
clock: 2:20:36
